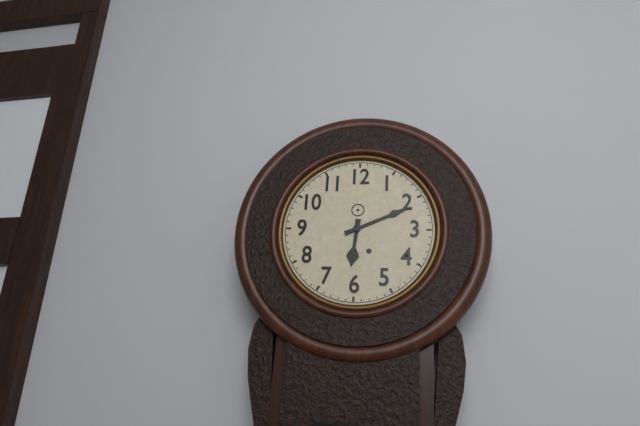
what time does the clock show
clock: 6:11
